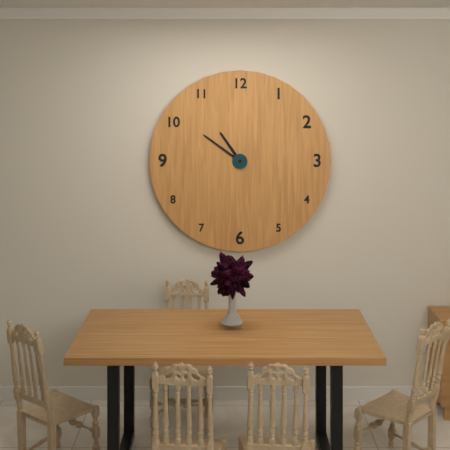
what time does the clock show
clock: 10:51
